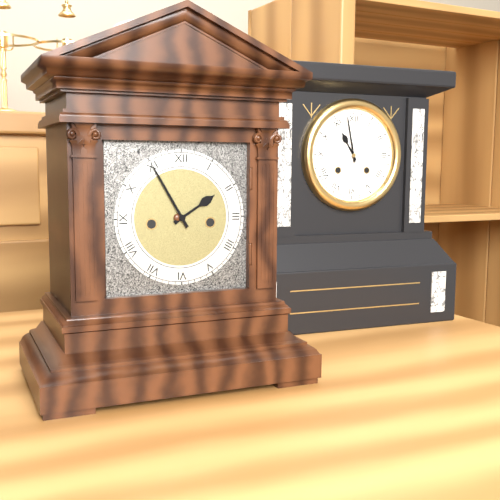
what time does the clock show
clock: 1:55
